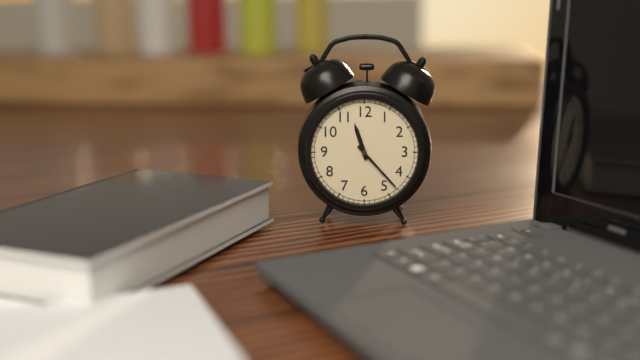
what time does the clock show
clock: 11:23
